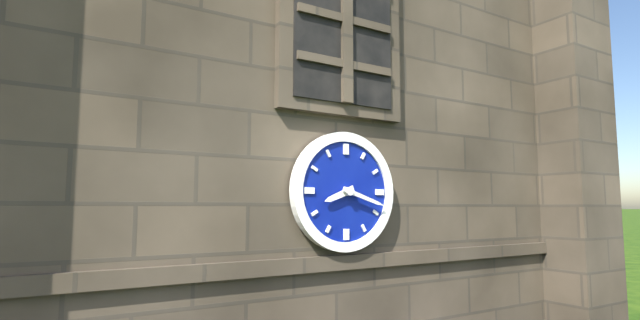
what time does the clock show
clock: 8:18
